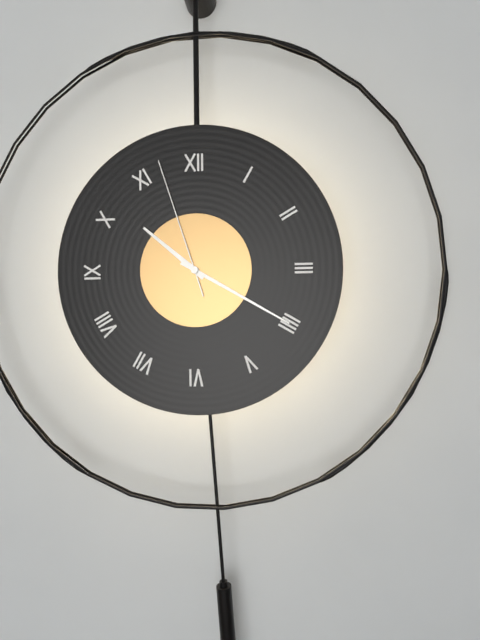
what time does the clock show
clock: 10:20:57
